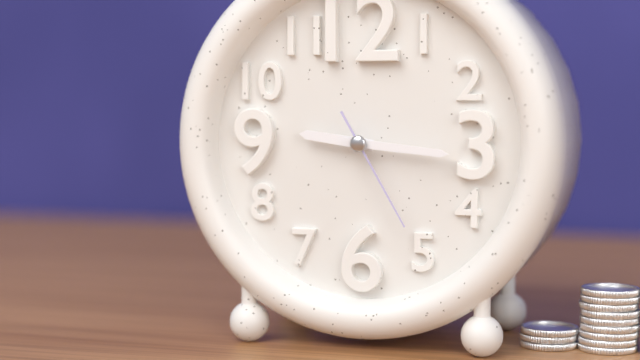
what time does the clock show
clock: 9:16:25
